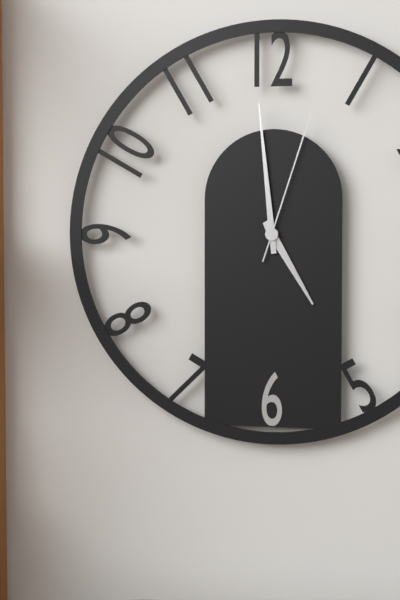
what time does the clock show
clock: 4:59:03
